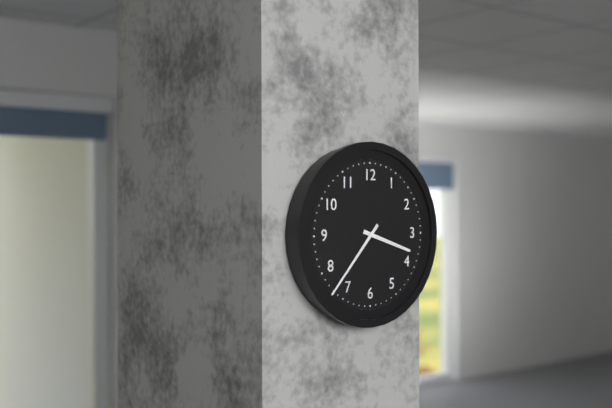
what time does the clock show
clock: 3:37
